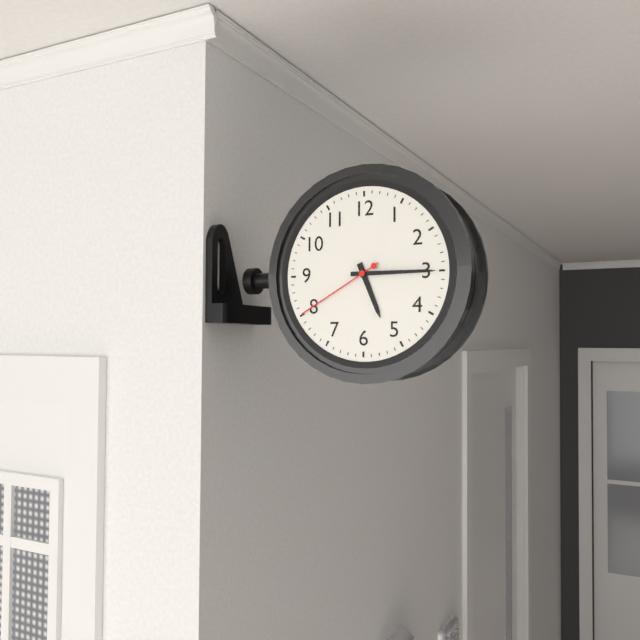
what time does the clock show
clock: 5:15:40
